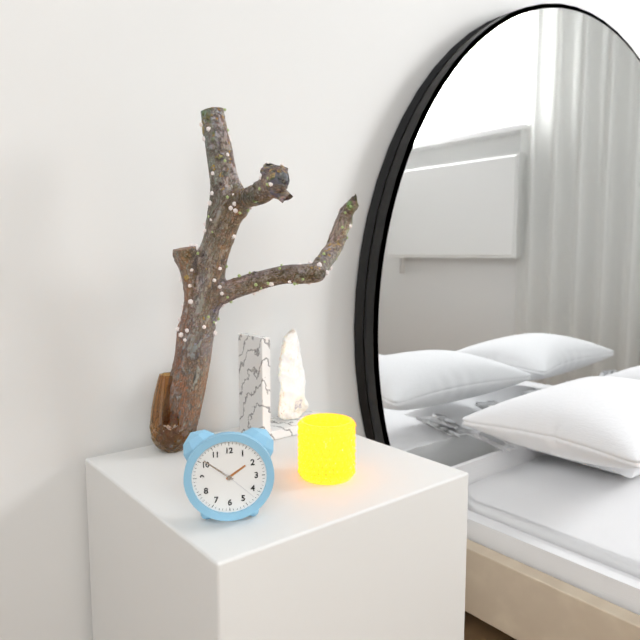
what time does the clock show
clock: 1:51
